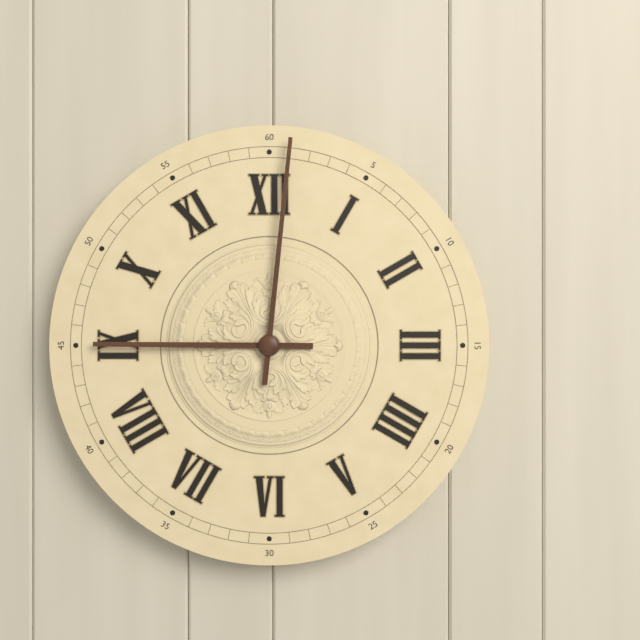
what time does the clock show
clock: 9:01
